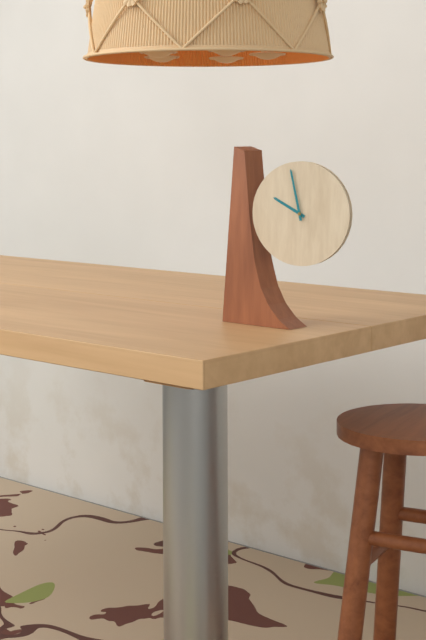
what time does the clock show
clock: 9:58
